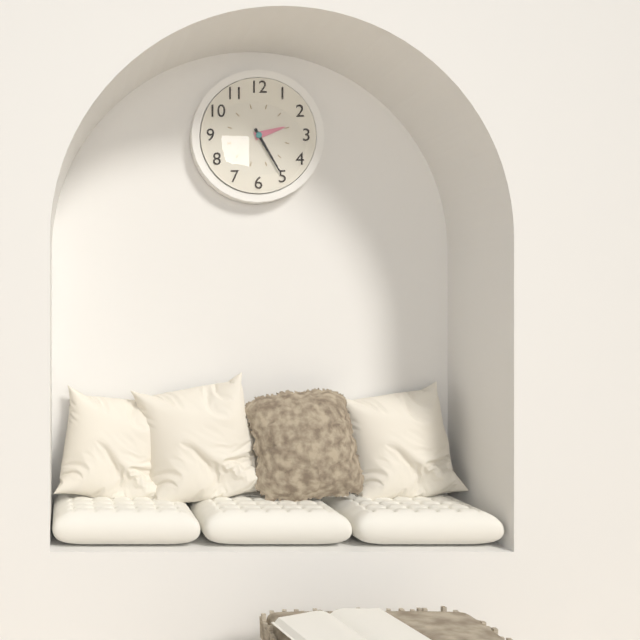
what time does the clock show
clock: 2:25
